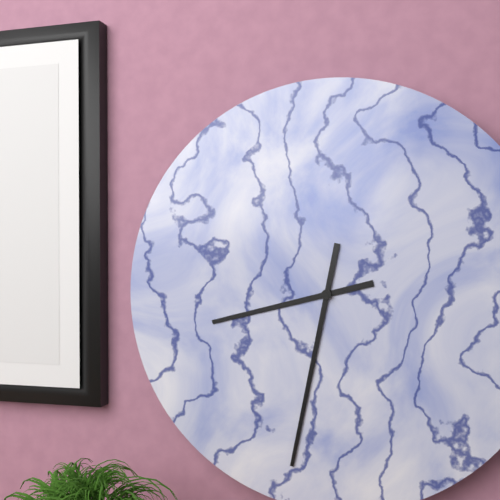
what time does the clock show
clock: 8:32
